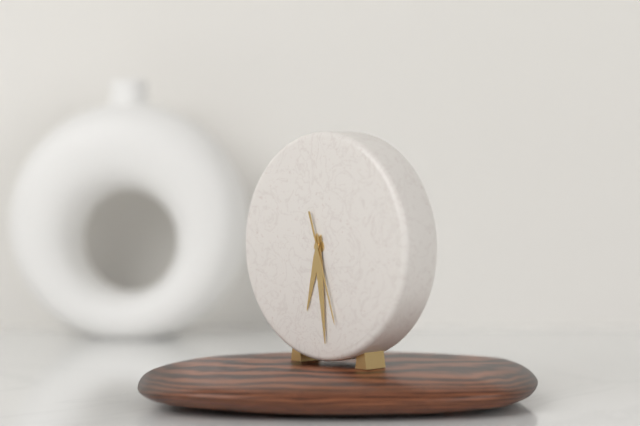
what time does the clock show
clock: 6:29:27
